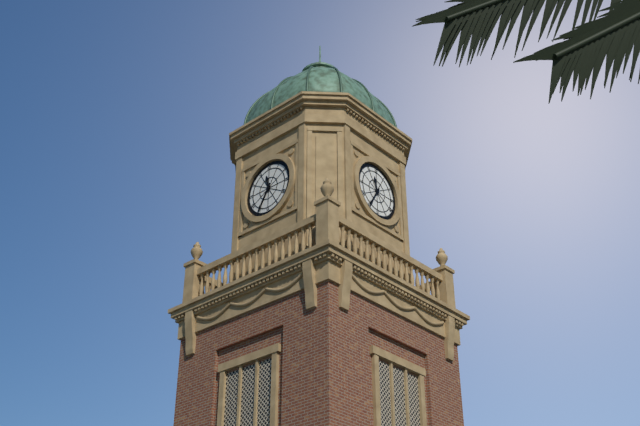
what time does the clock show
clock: 11:35
